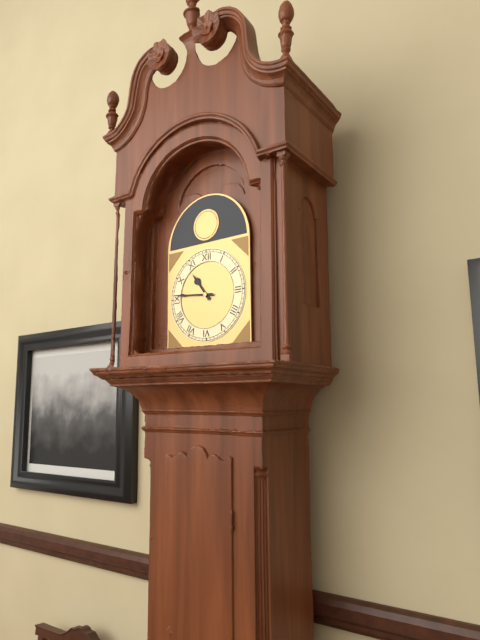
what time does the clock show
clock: 10:46
